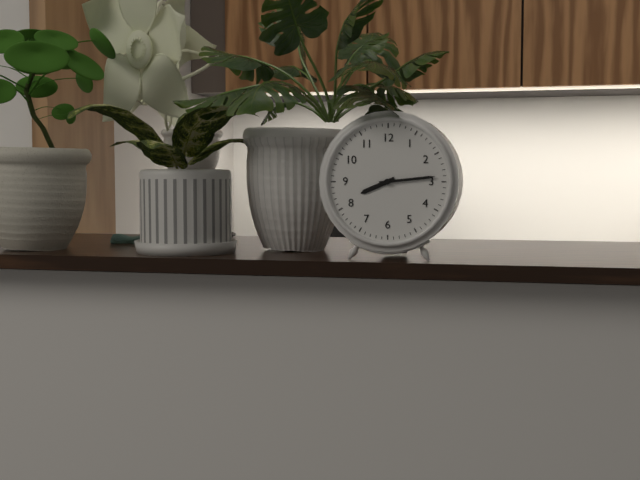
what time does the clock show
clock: 8:14
